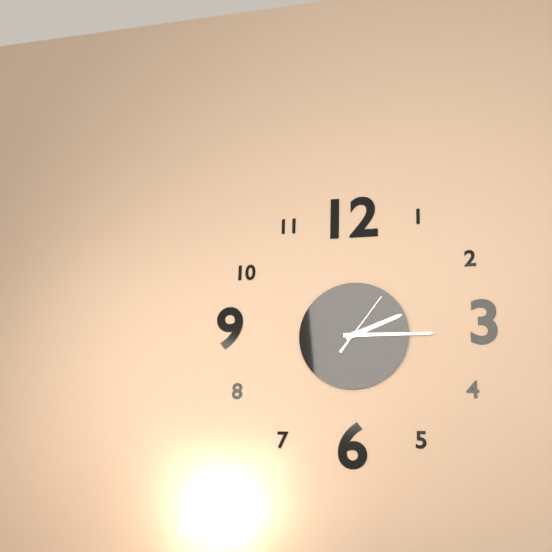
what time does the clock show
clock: 2:15:06
